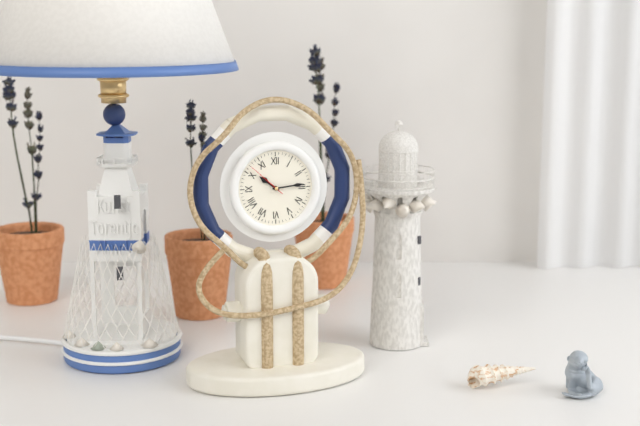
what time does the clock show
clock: 10:14
